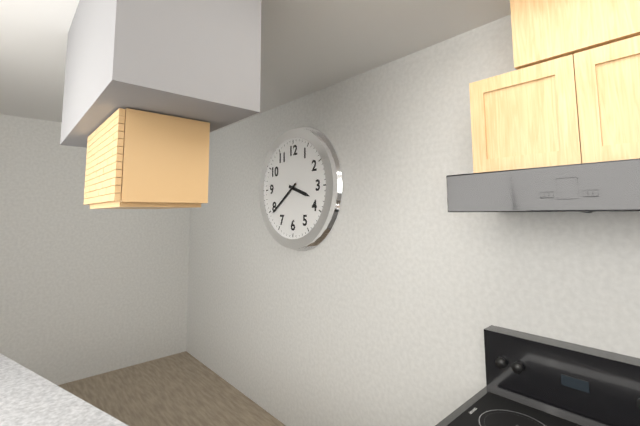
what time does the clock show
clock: 3:39
